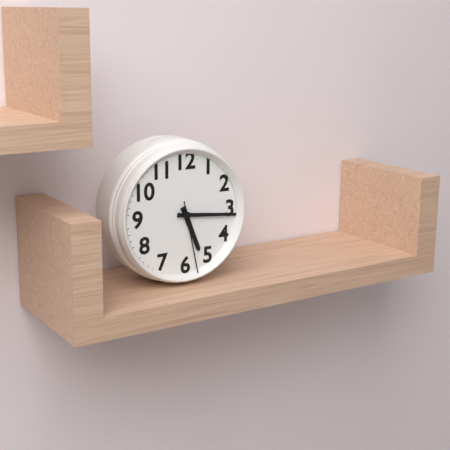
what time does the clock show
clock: 5:16:28
